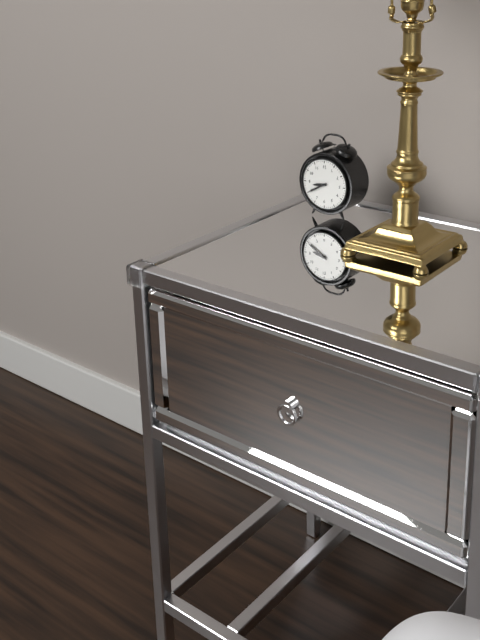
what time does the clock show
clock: 8:40
